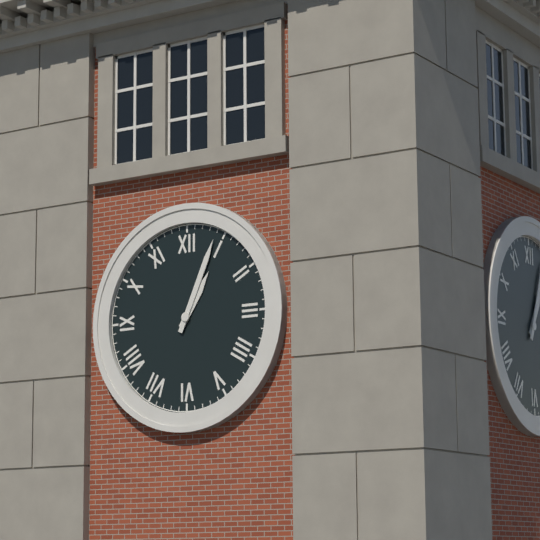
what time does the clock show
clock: 1:04
